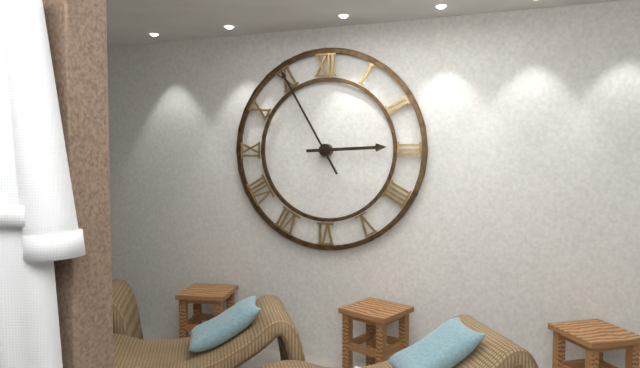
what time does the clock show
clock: 2:55
